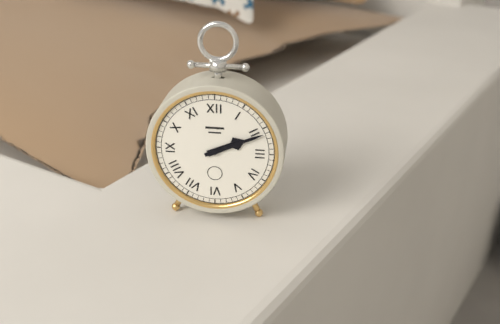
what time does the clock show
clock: 2:11
